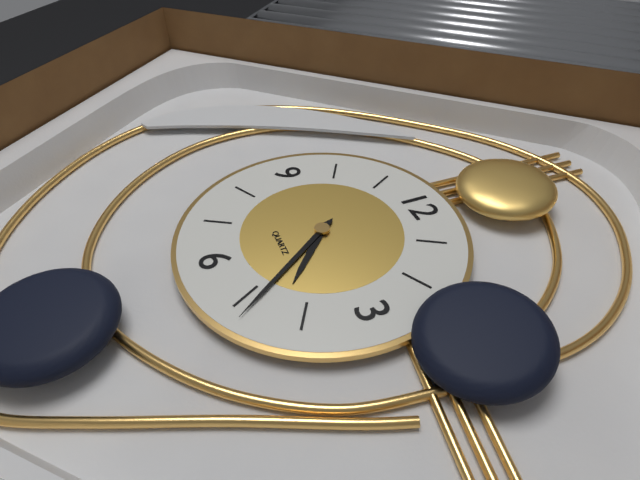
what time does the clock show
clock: 4:24
